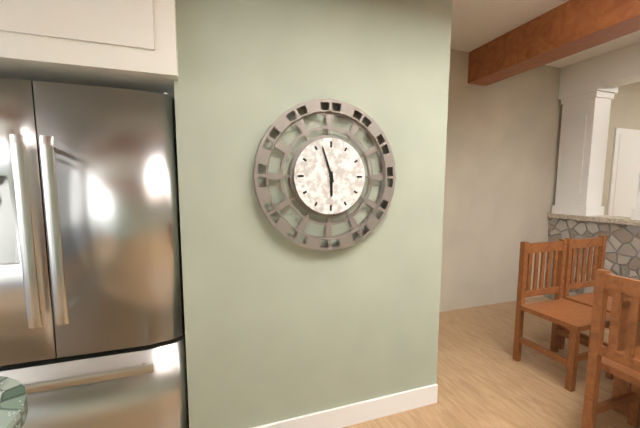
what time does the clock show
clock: 5:57
